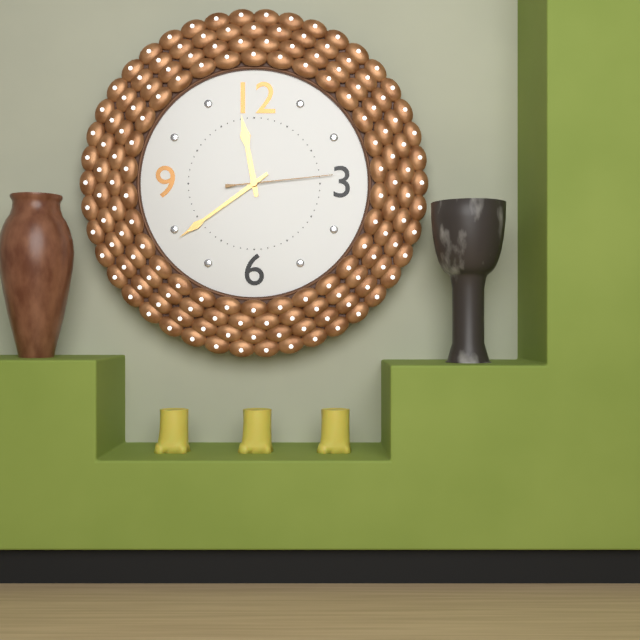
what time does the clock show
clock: 11:39:14
